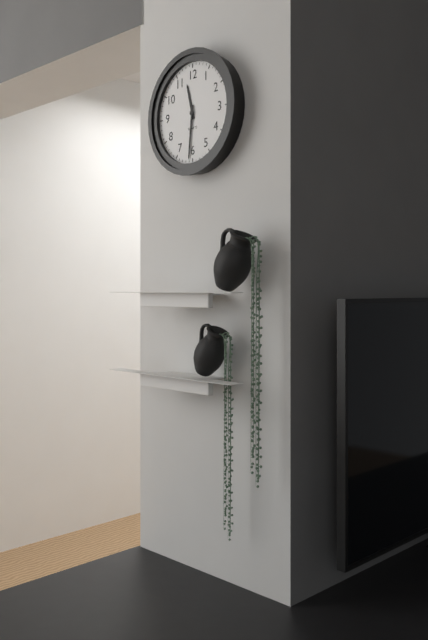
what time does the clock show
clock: 11:31
